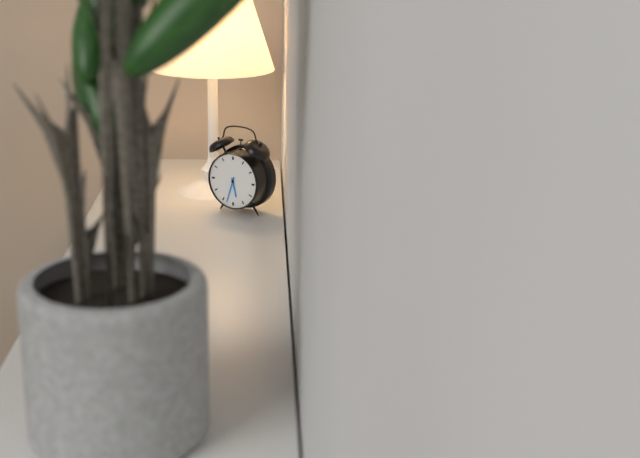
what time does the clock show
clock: 5:33
